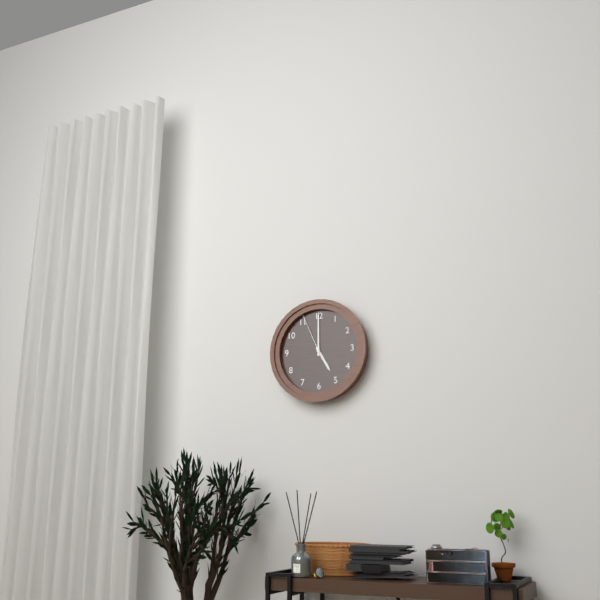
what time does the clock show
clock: 5:00
